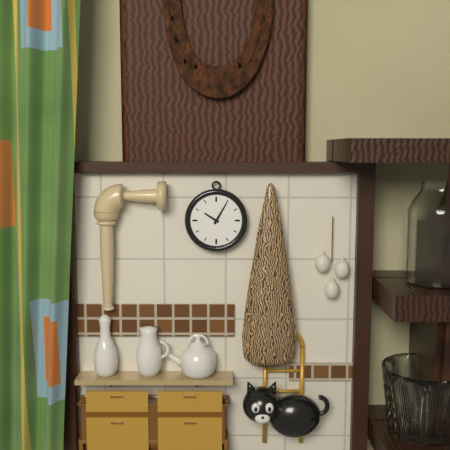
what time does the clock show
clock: 10:05
